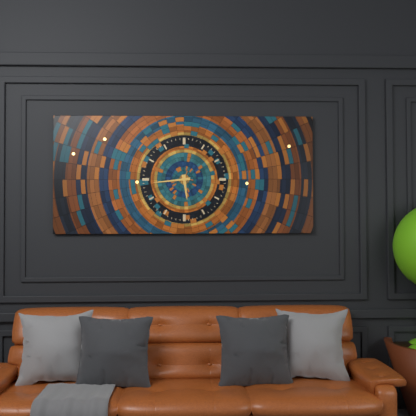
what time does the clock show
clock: 5:44
